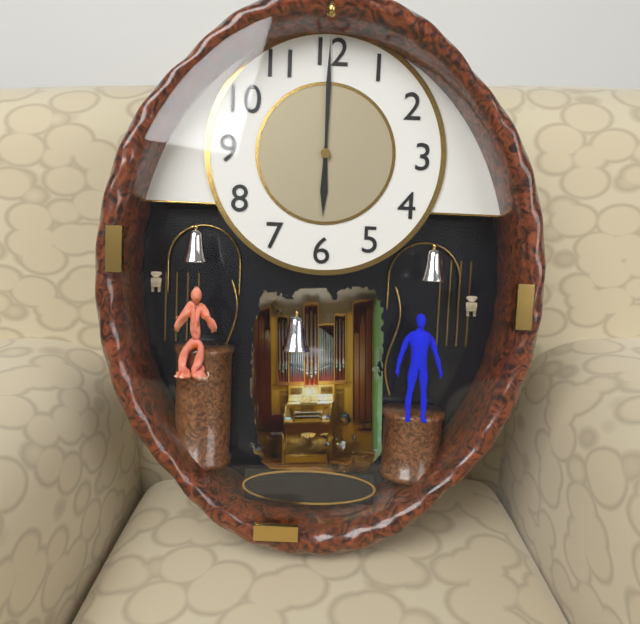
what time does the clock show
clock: 6:00
